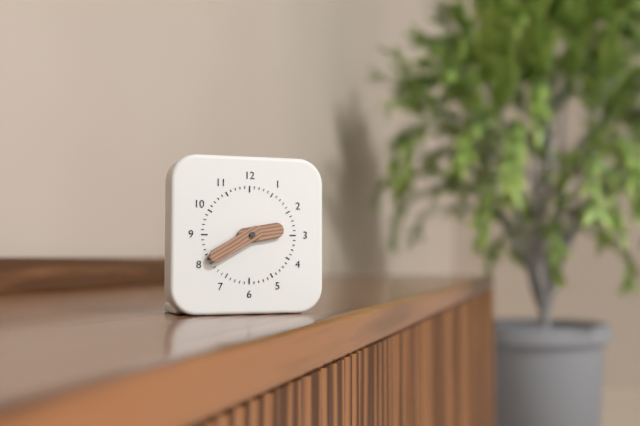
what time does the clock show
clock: 2:40
